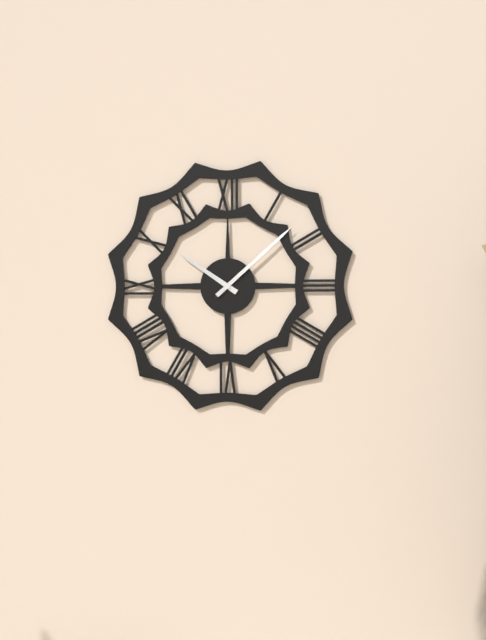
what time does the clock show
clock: 10:08
